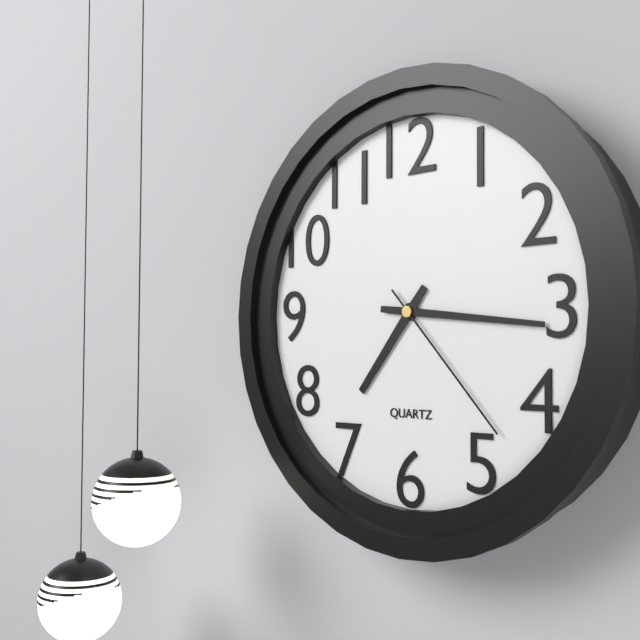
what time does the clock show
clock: 7:16:23
